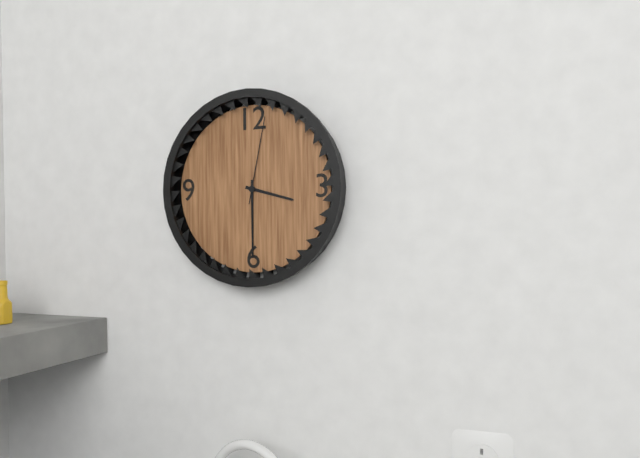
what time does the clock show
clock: 3:30:02
